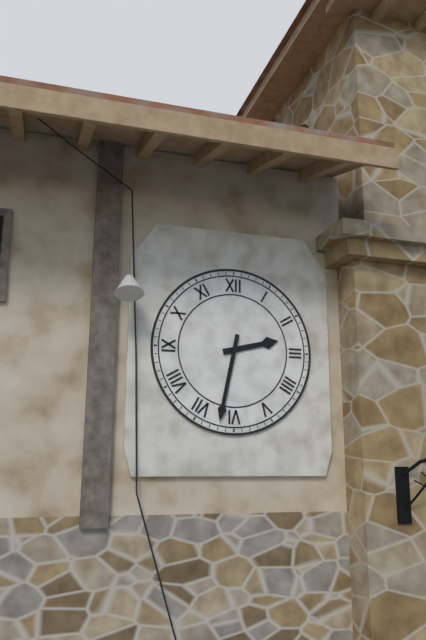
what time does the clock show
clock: 2:32
